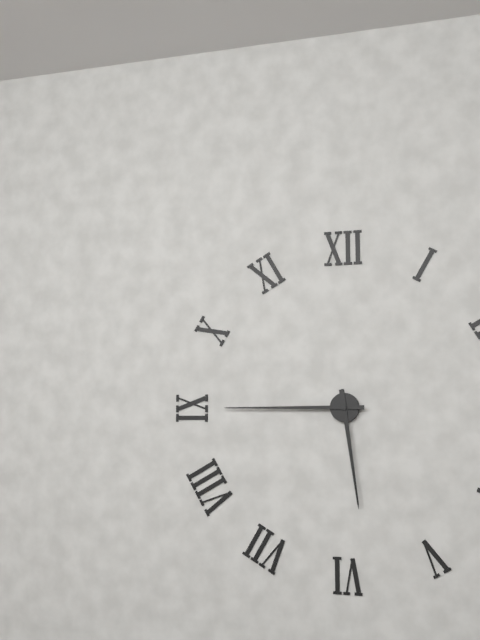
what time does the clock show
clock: 5:45
